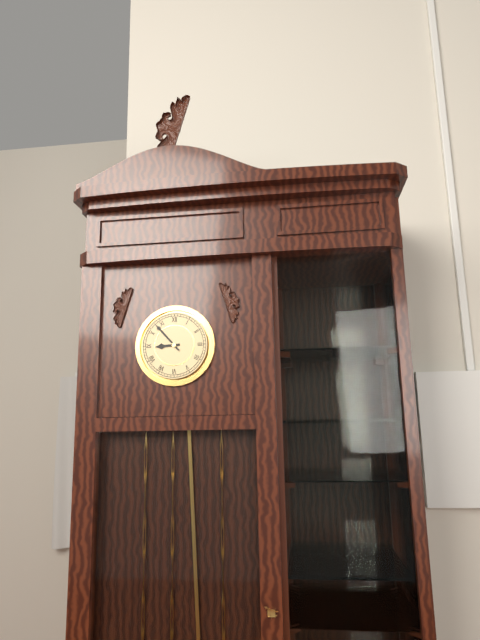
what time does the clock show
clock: 8:53
